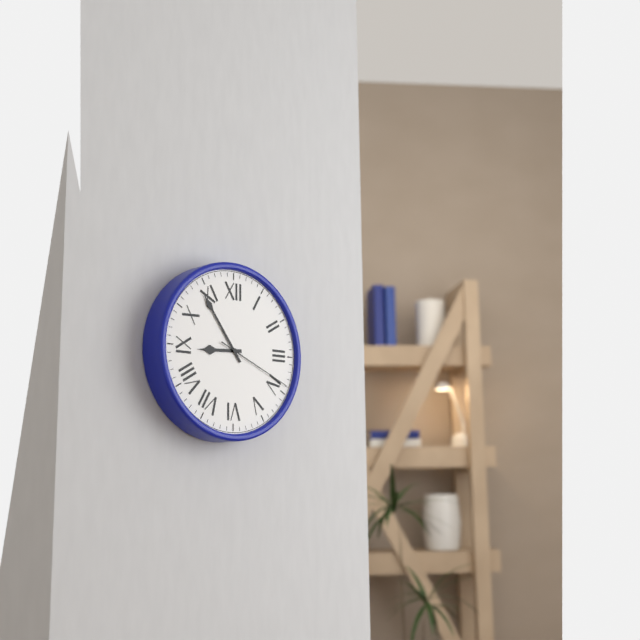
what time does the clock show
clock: 8:54:19
